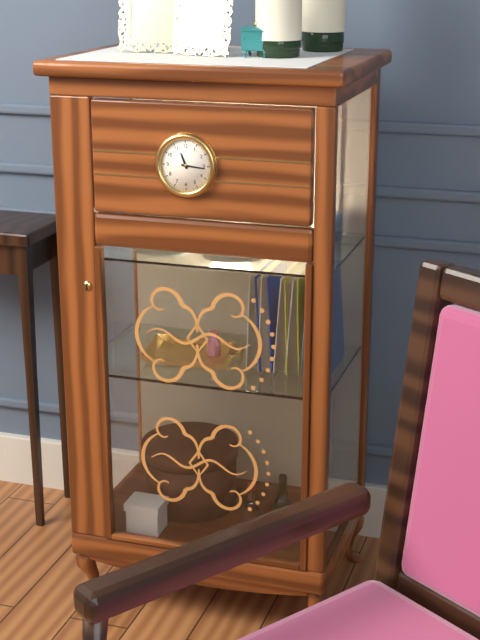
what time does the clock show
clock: 11:16
